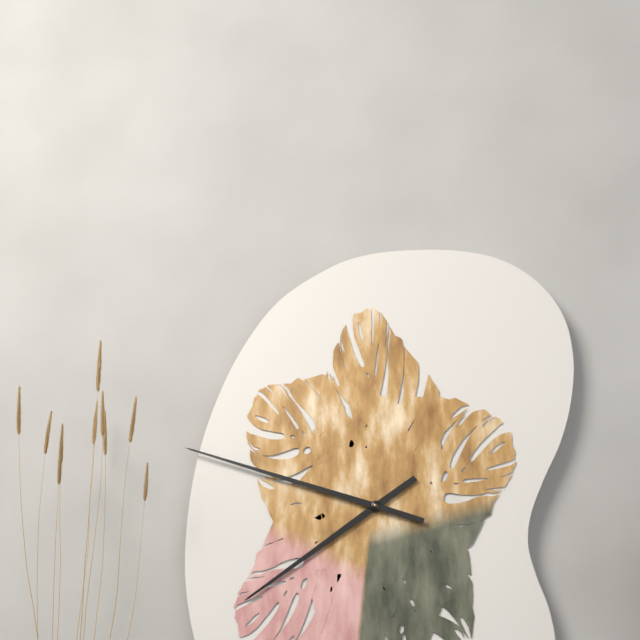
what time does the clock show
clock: 7:48
